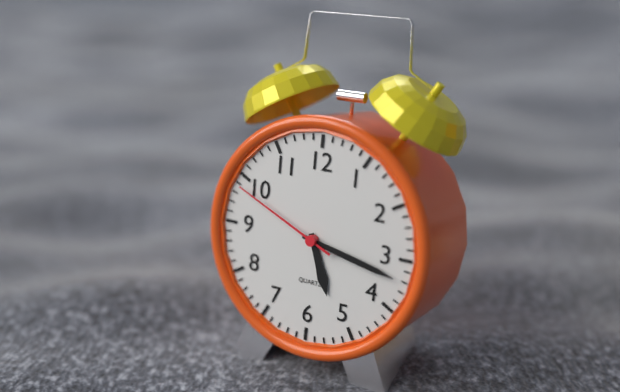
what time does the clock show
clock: 5:17:49
